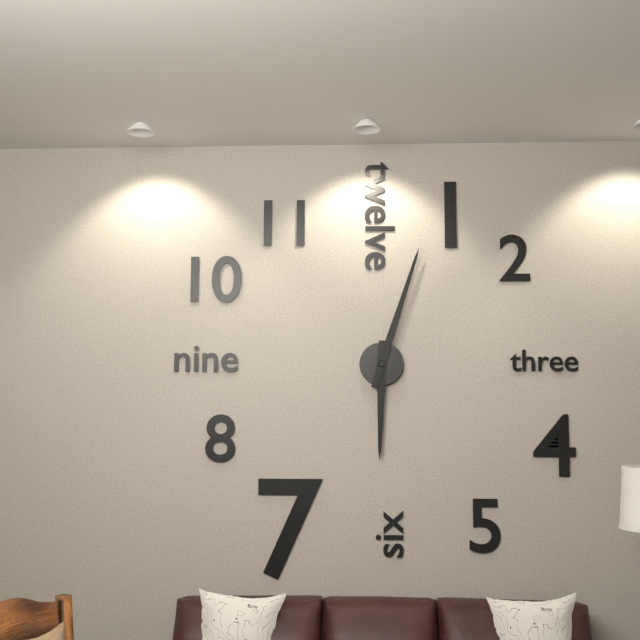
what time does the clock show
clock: 6:03
